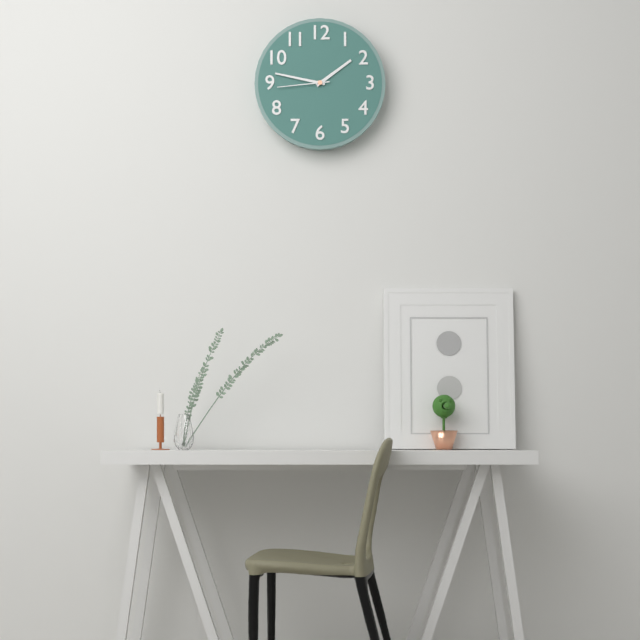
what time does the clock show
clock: 1:47:44
